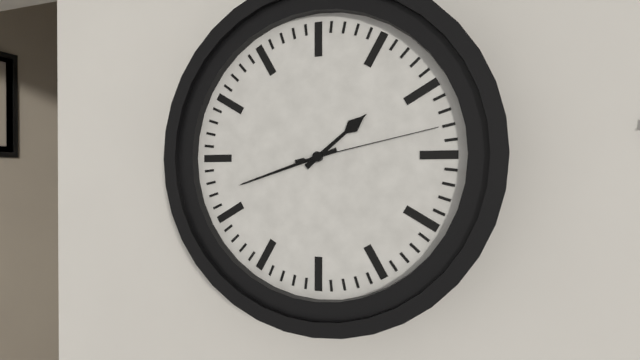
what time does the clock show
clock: 1:42:13
